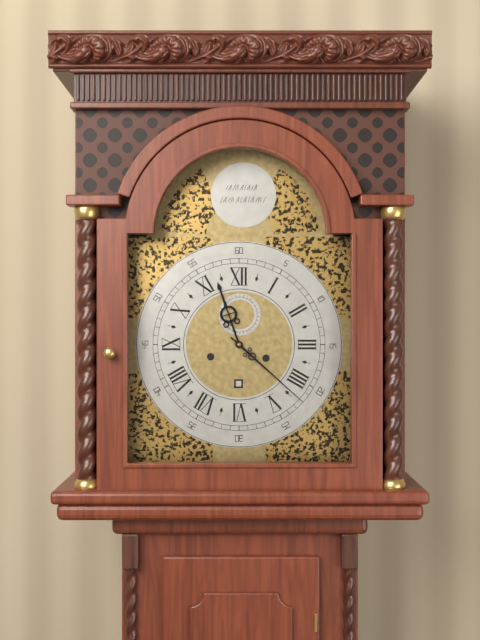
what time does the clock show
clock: 11:22
